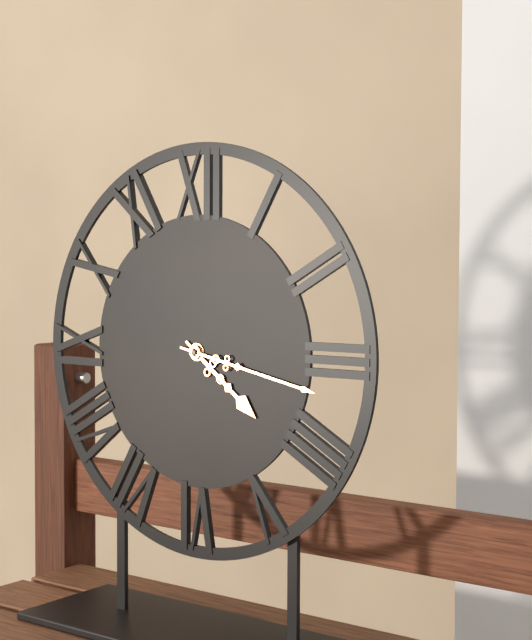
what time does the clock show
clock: 4:17
